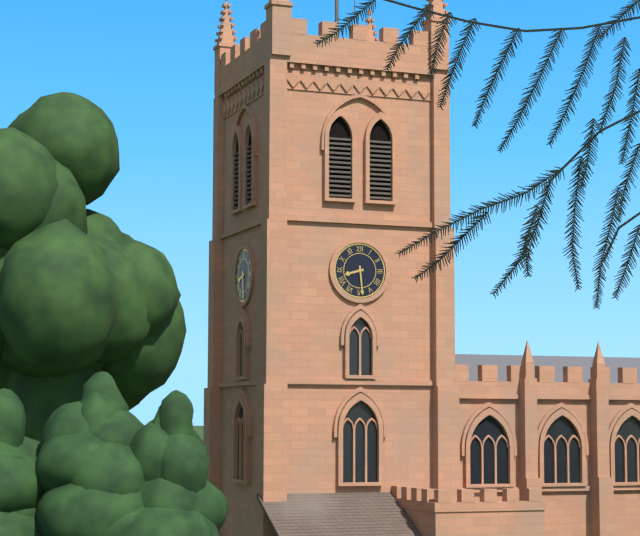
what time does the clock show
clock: 8:29
